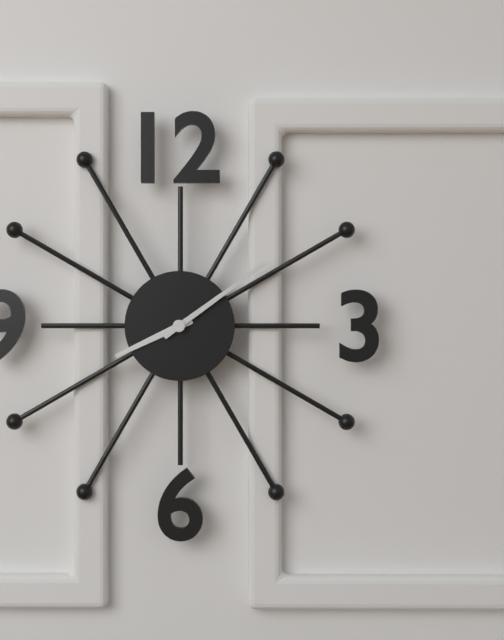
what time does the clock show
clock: 8:09
